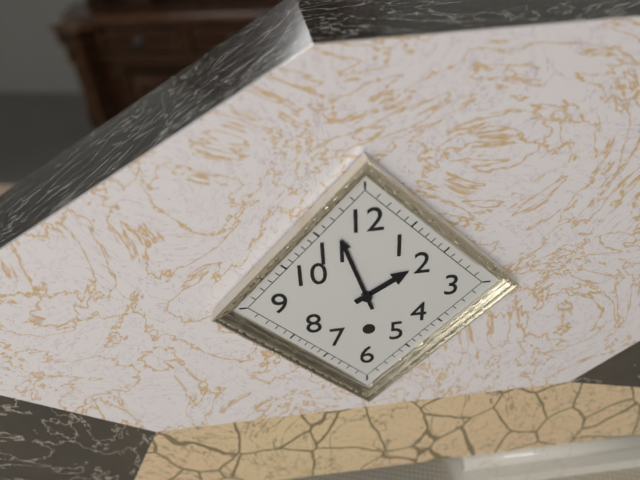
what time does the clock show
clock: 1:57
